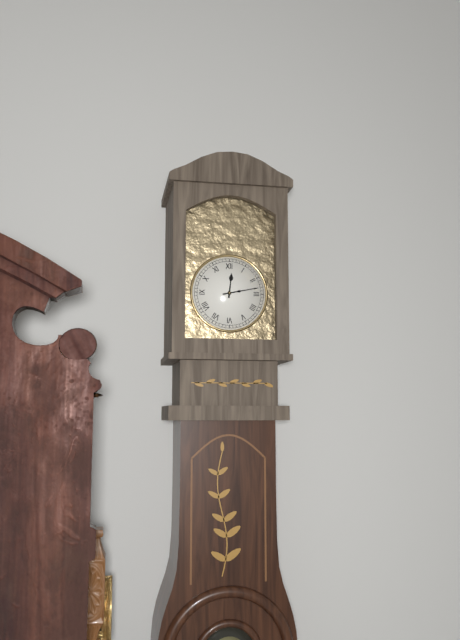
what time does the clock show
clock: 12:13
